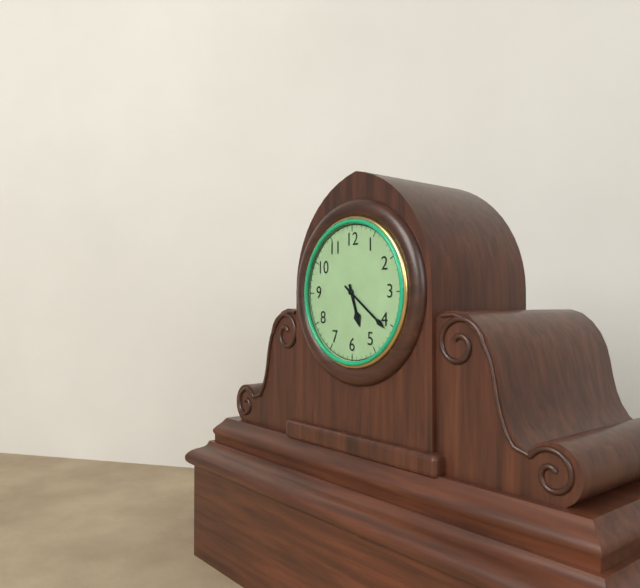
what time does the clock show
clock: 5:21
